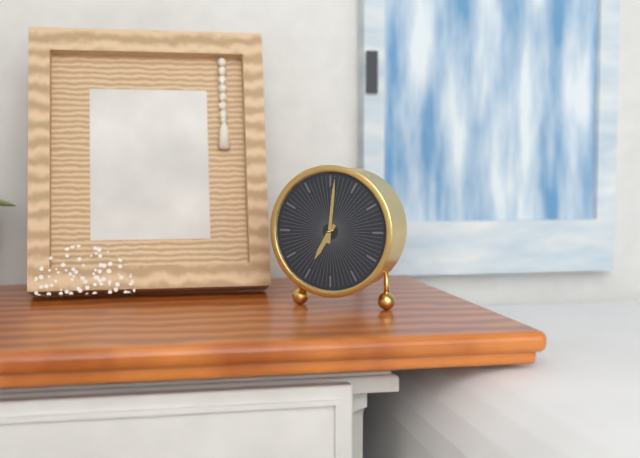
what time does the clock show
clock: 7:01
